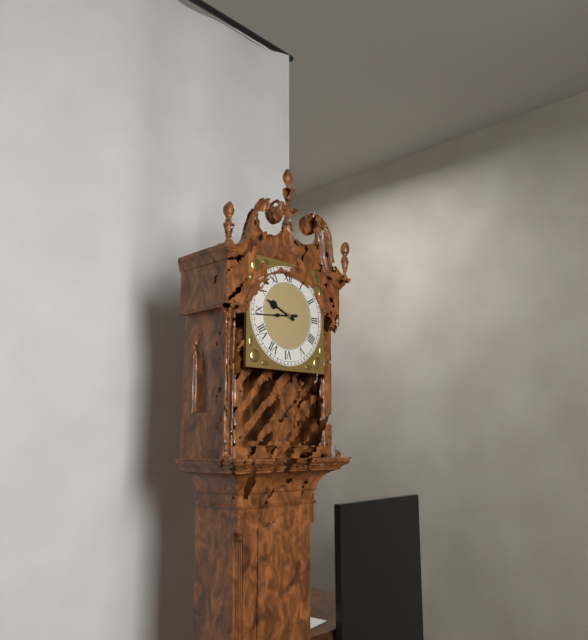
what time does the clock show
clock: 9:44
